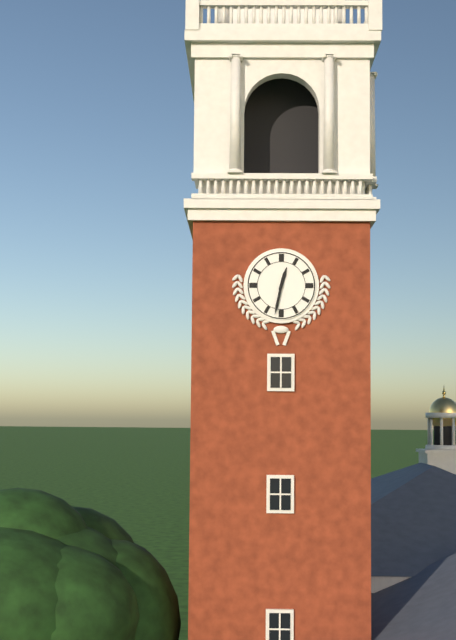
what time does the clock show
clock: 12:32
